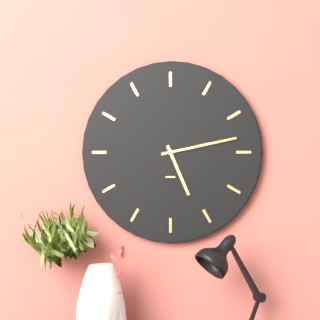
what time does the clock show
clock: 5:13
